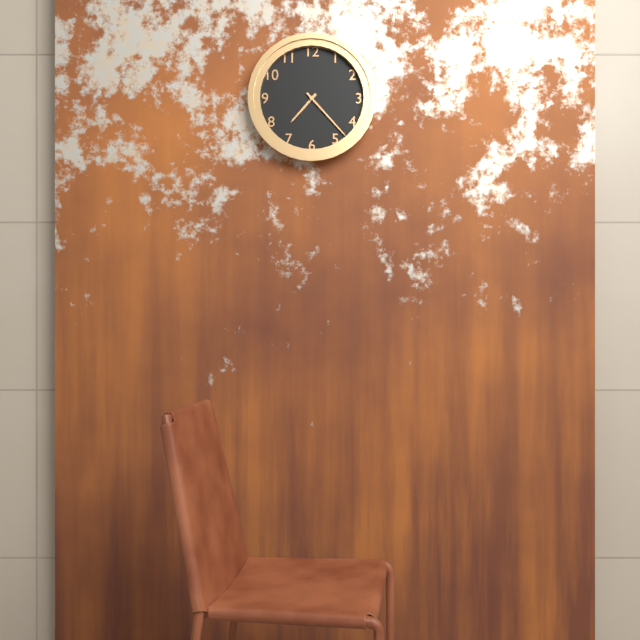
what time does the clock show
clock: 7:23
